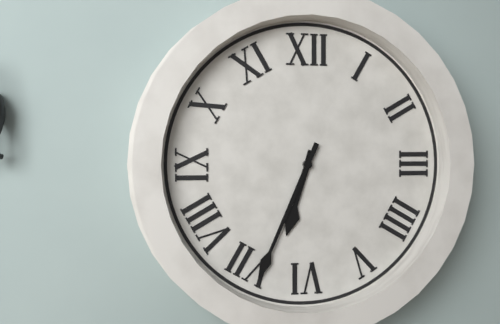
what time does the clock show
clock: 6:34
